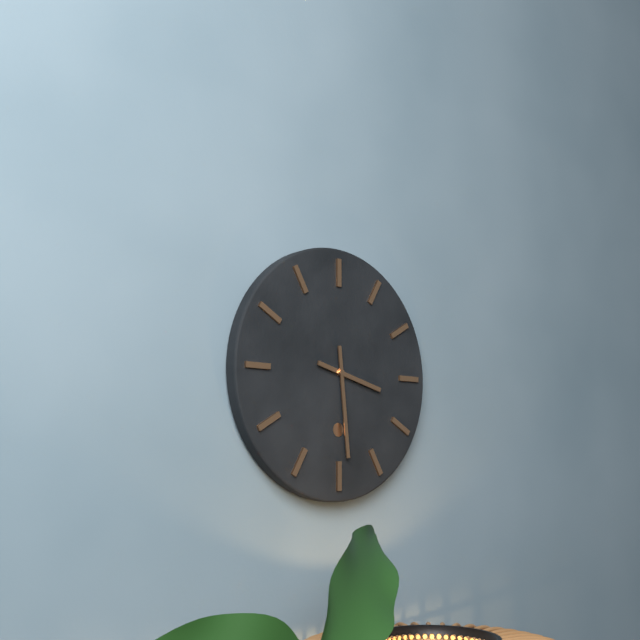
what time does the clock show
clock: 3:29
